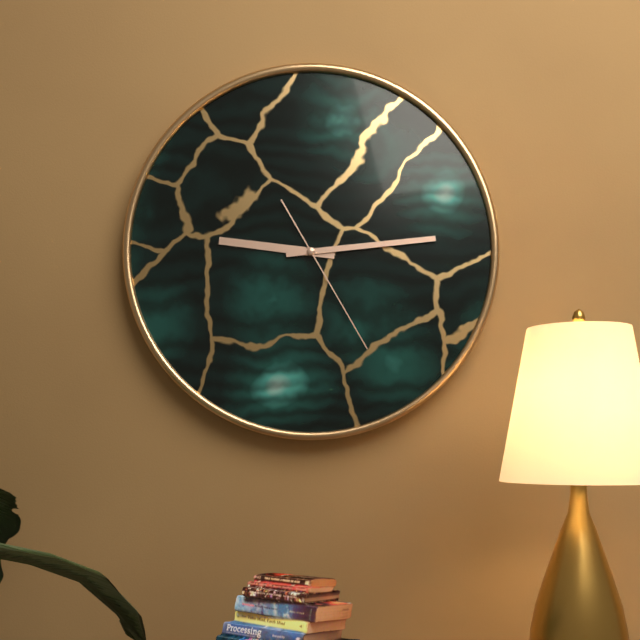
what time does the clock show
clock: 9:14:25
